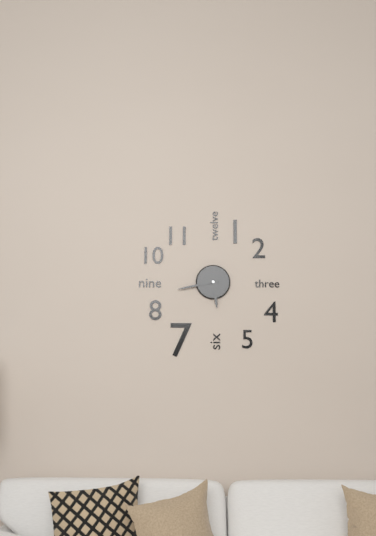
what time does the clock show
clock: 5:43
